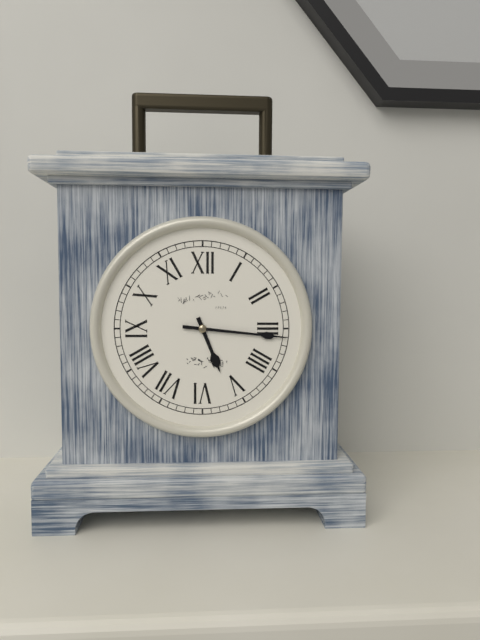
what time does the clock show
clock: 5:16
